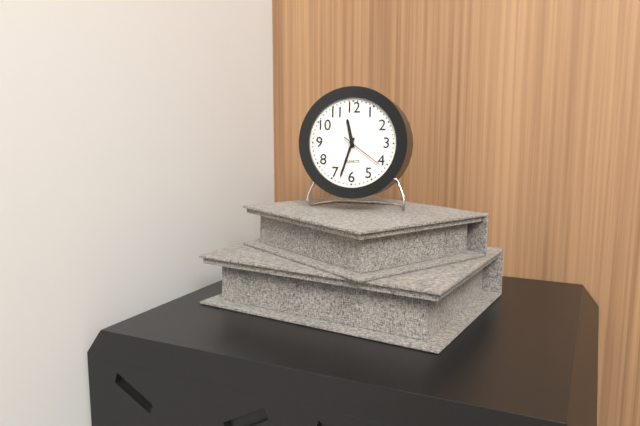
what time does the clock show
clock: 11:33
